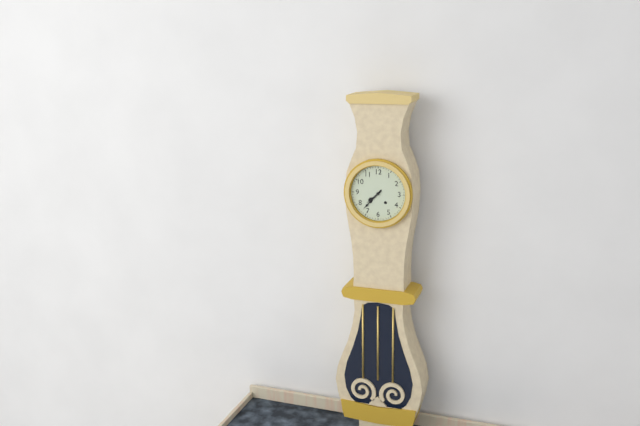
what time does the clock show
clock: 7:37
